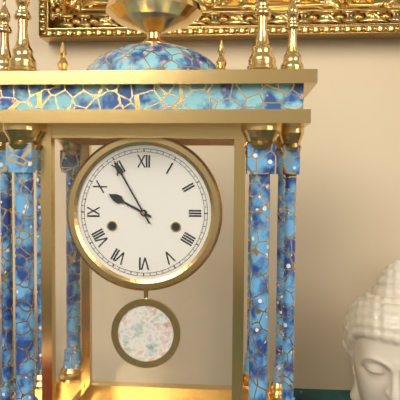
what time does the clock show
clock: 9:55
